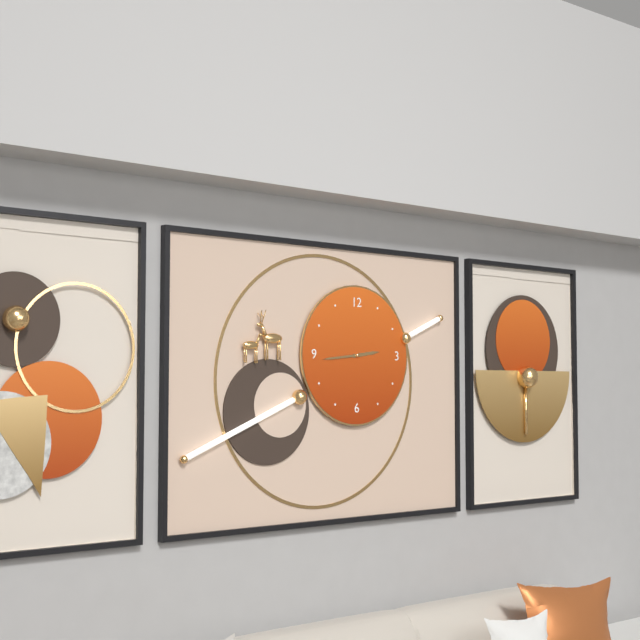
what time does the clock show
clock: 2:44
